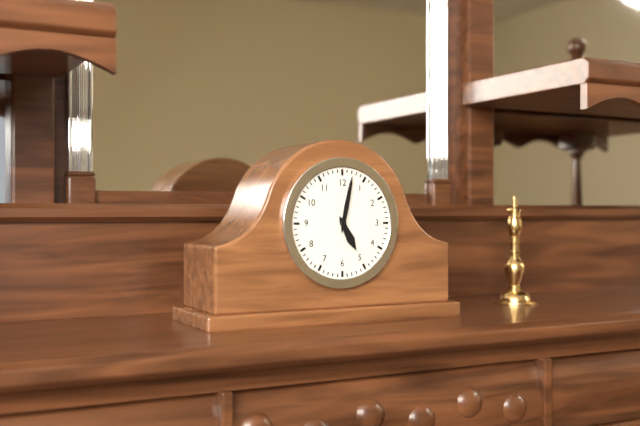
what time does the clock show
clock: 5:02
